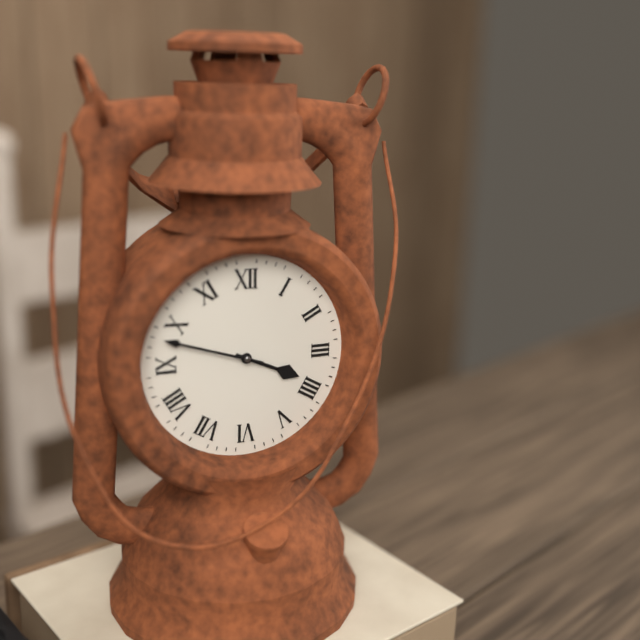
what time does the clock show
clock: 3:48
